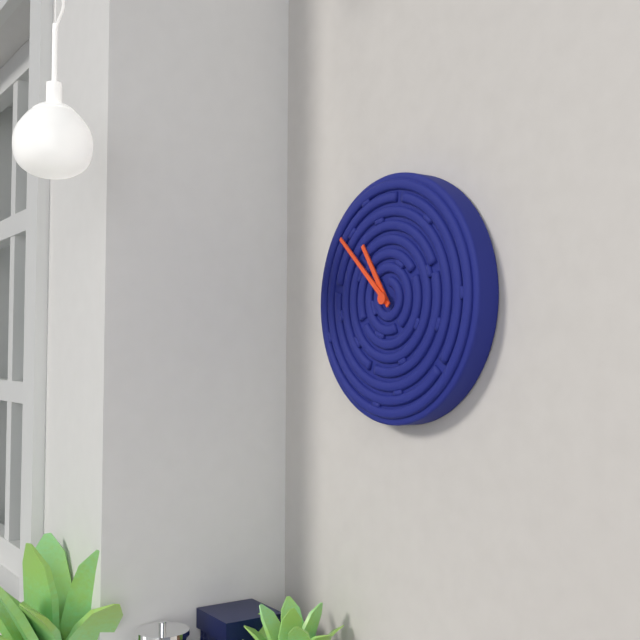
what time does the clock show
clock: 10:52
